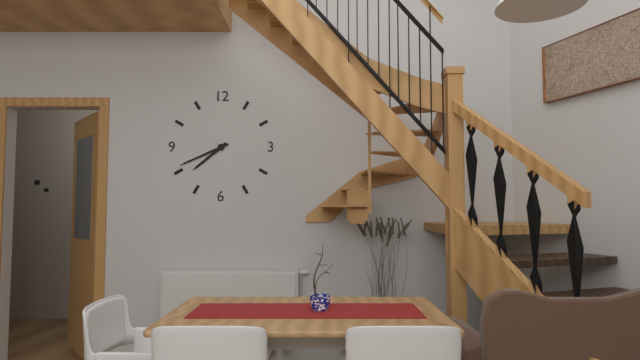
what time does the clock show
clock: 7:41
